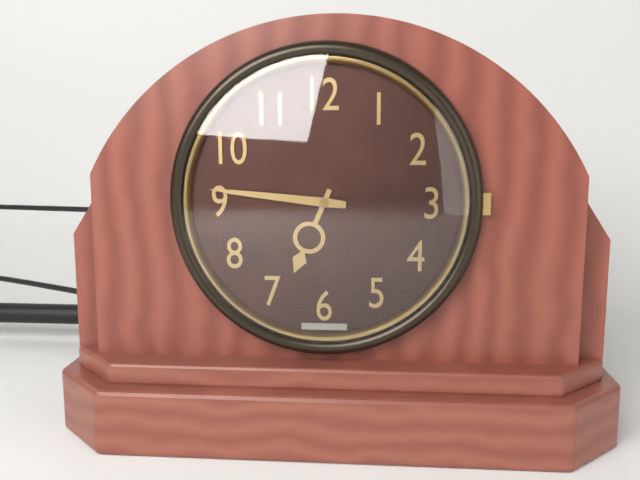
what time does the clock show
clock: 6:46
